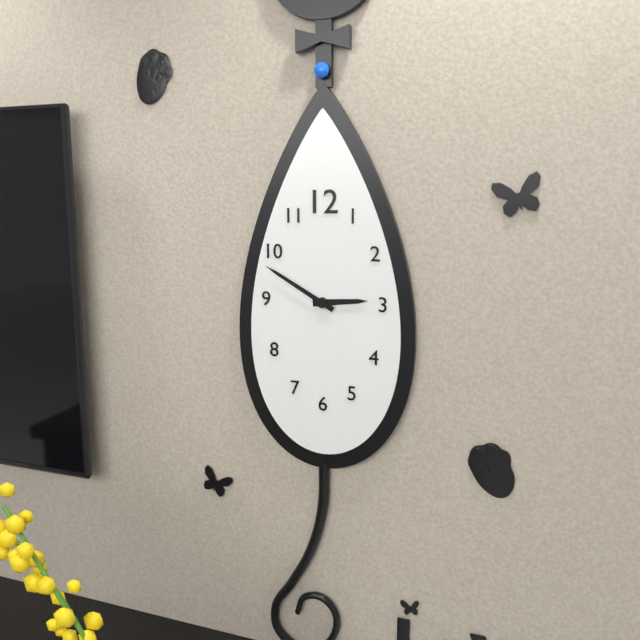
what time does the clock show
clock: 2:50
